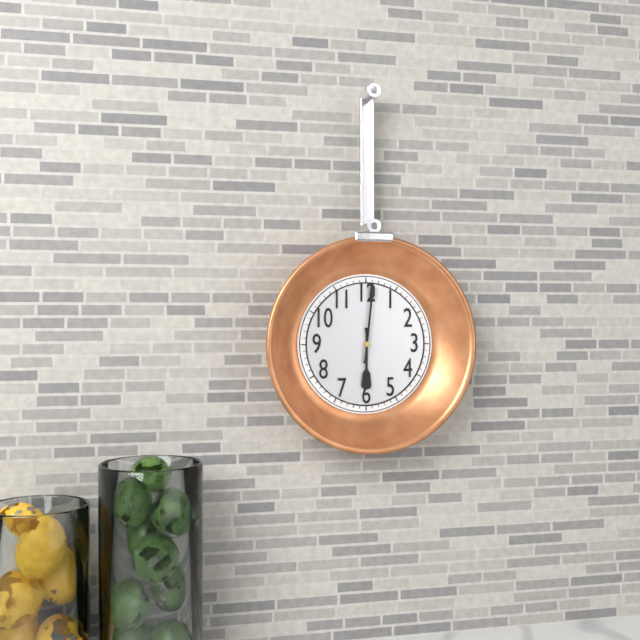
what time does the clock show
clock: 6:01
